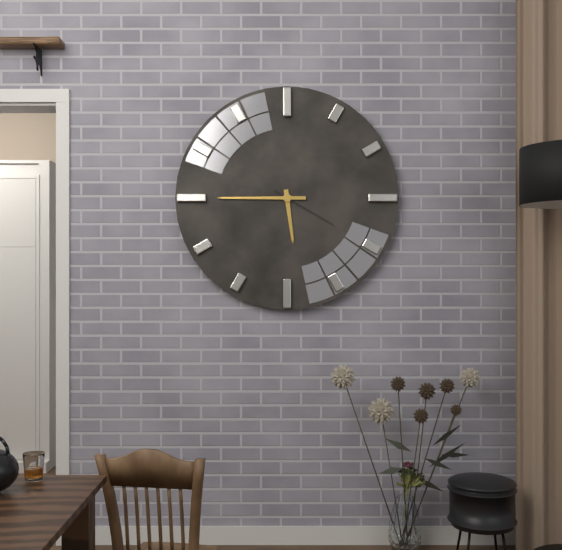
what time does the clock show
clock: 5:45:20
